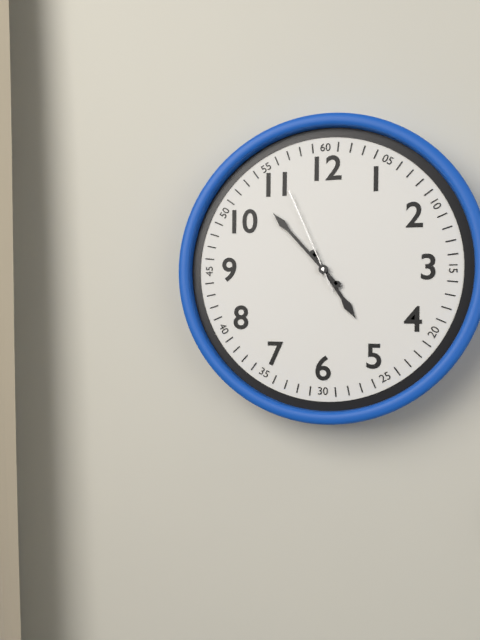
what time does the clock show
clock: 4:53:56
